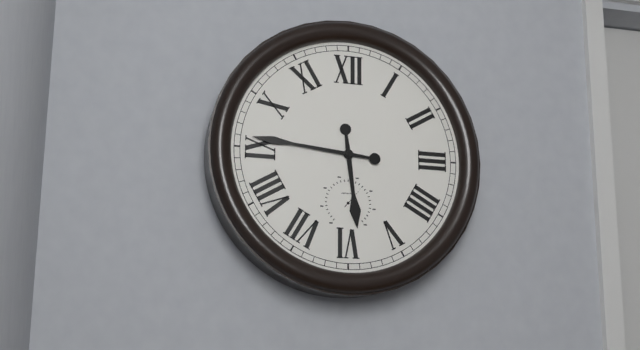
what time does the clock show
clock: 5:46
